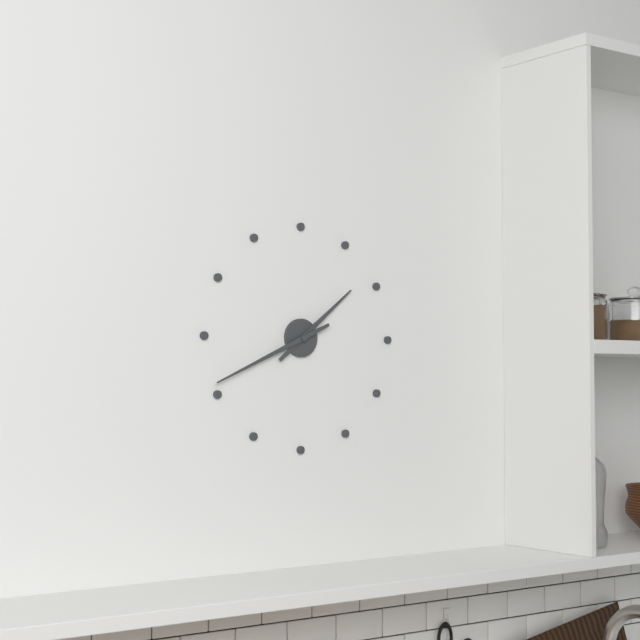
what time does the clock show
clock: 1:41
